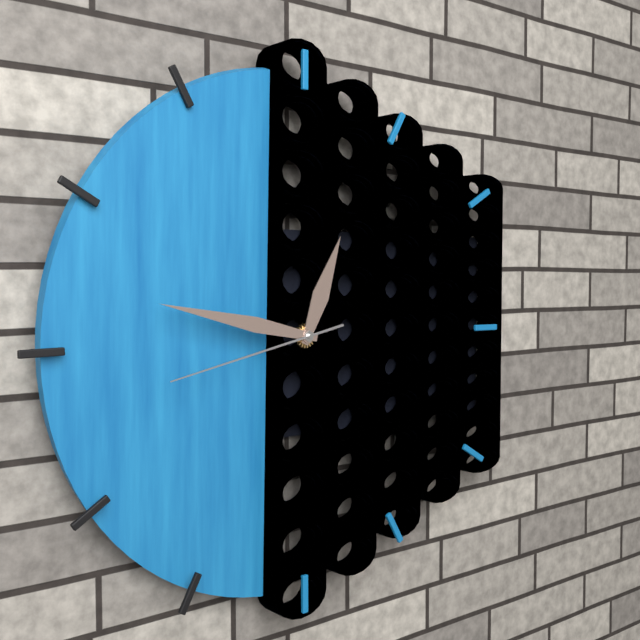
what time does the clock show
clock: 12:47:43
